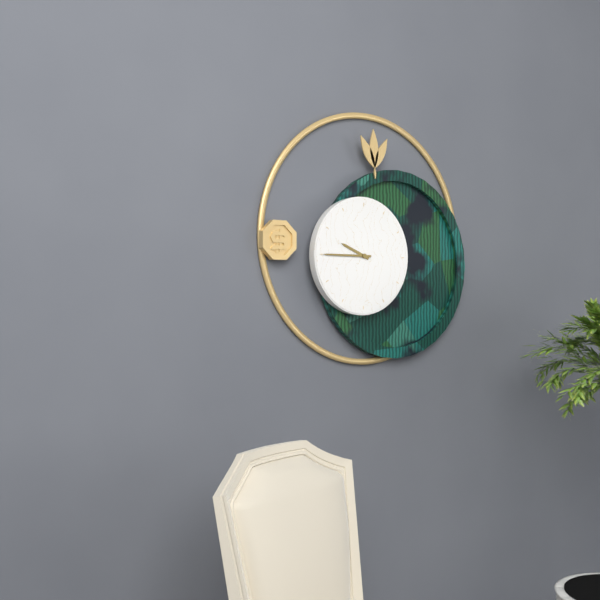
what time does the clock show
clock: 9:45
